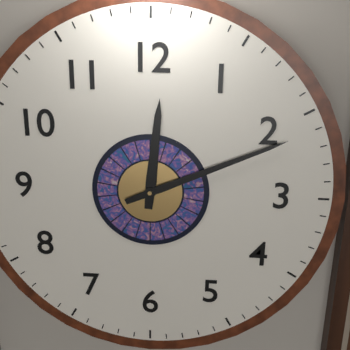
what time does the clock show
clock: 12:11
